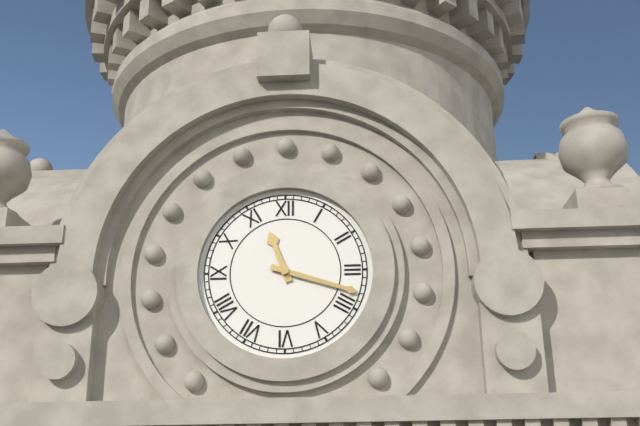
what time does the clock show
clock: 11:18
